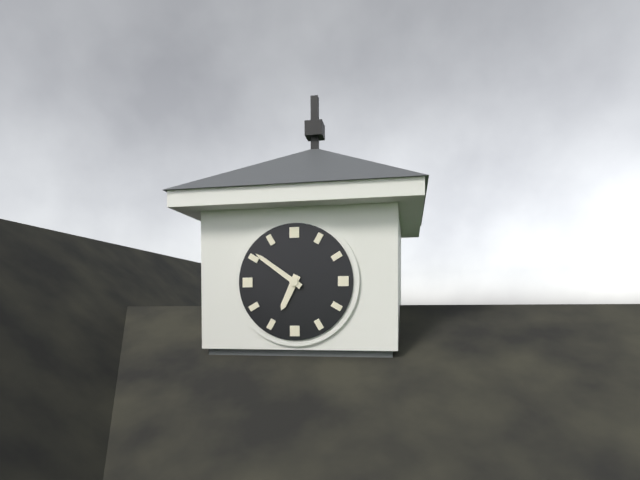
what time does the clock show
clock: 6:51
